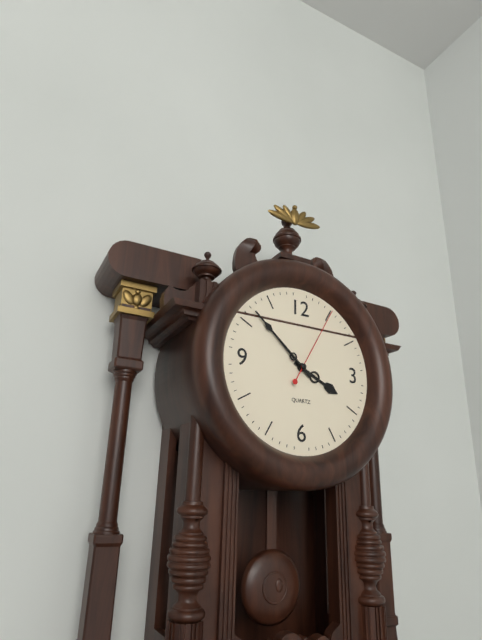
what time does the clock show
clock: 3:52:05
